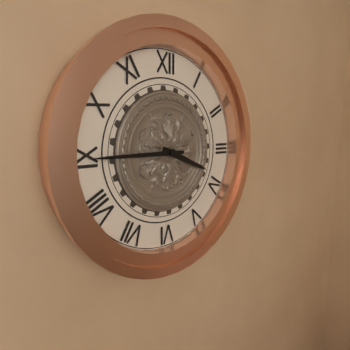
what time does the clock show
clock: 3:45
